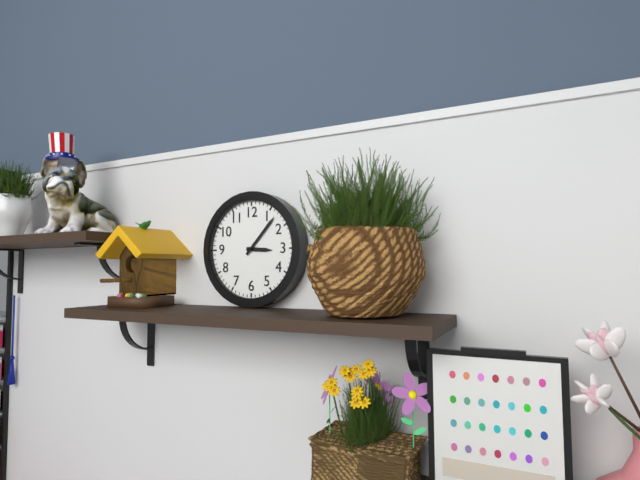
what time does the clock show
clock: 3:07
